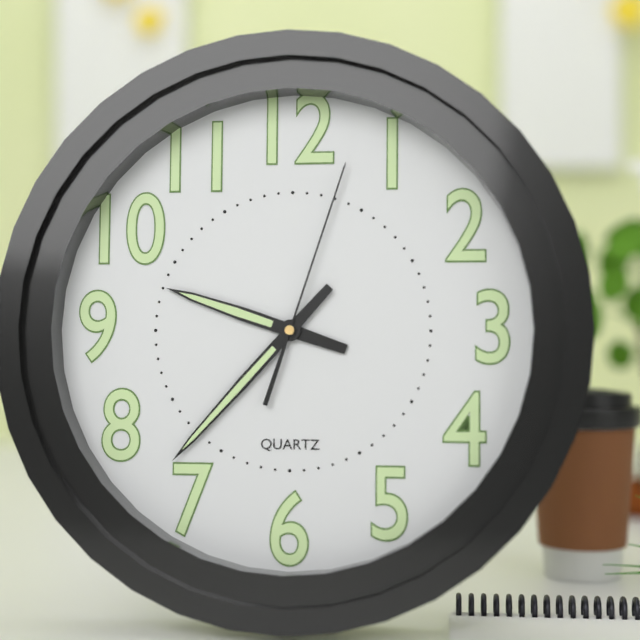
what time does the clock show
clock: 9:37:03
